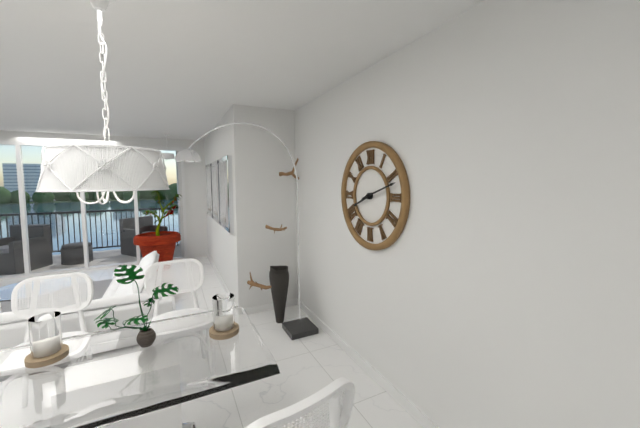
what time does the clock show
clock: 8:12
